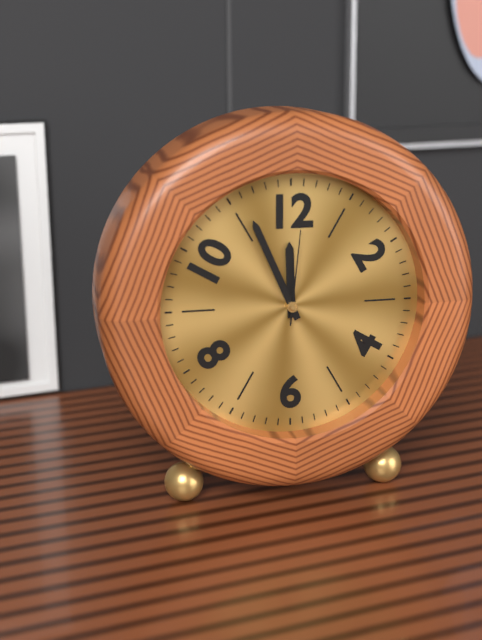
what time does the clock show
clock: 11:56:01
